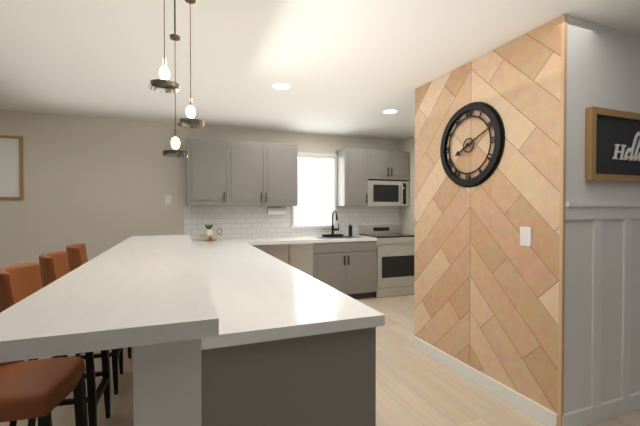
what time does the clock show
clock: 8:11
